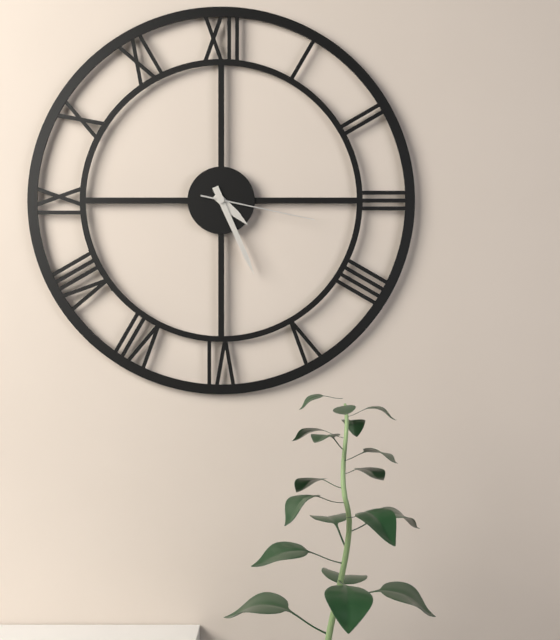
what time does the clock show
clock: 4:26:17
